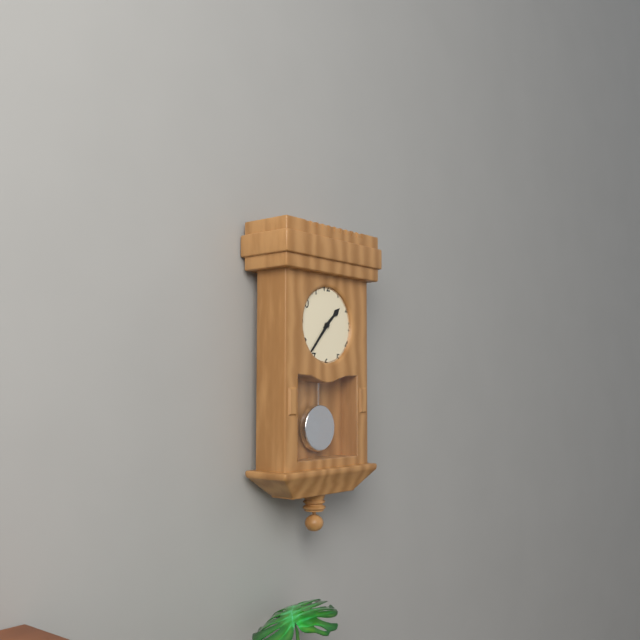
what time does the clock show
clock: 1:37
